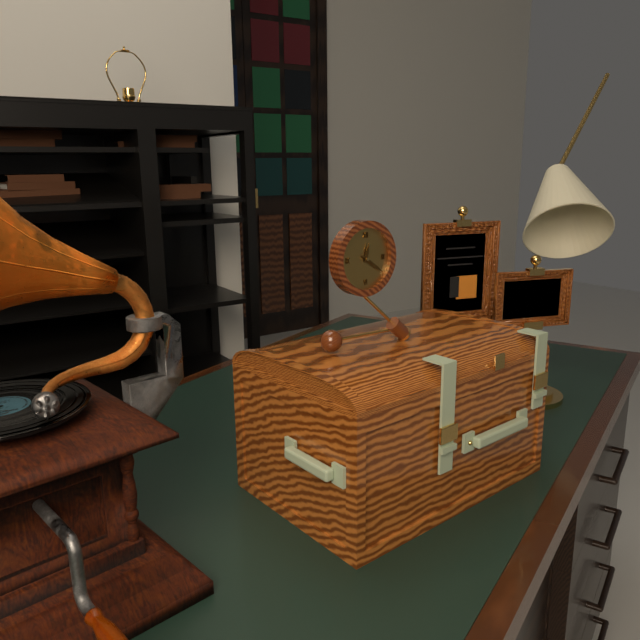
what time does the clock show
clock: 12:21
